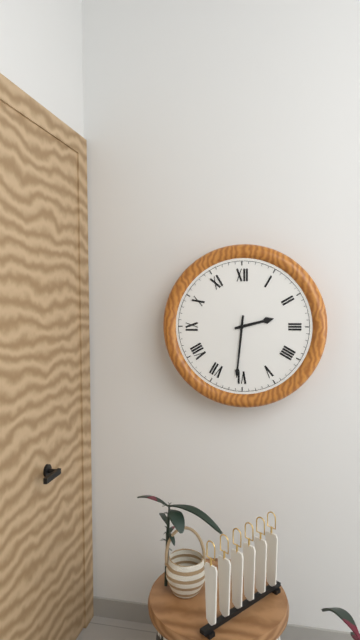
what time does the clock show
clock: 2:31
